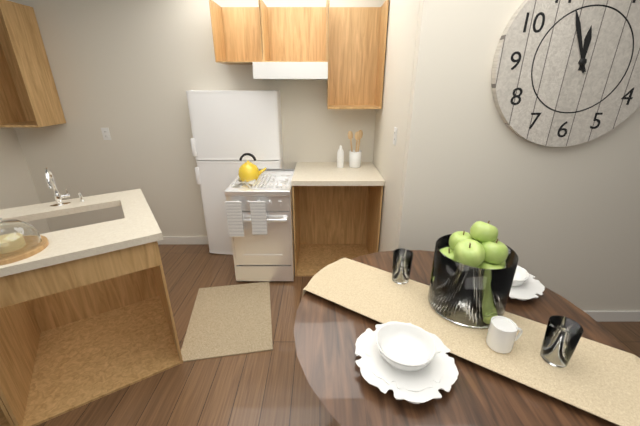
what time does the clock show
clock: 11:56
